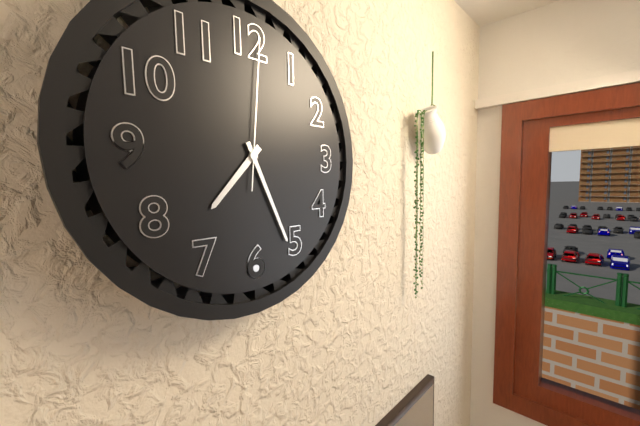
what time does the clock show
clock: 7:26:01
